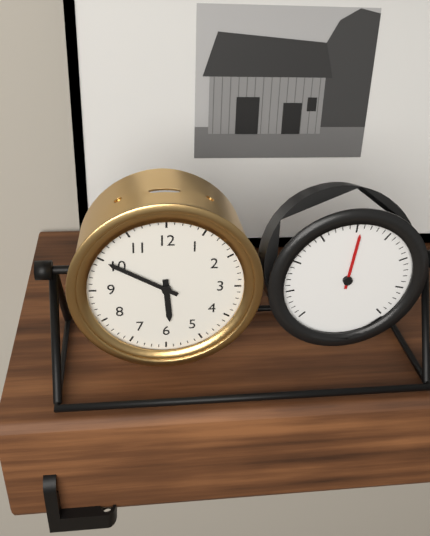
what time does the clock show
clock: 5:50
